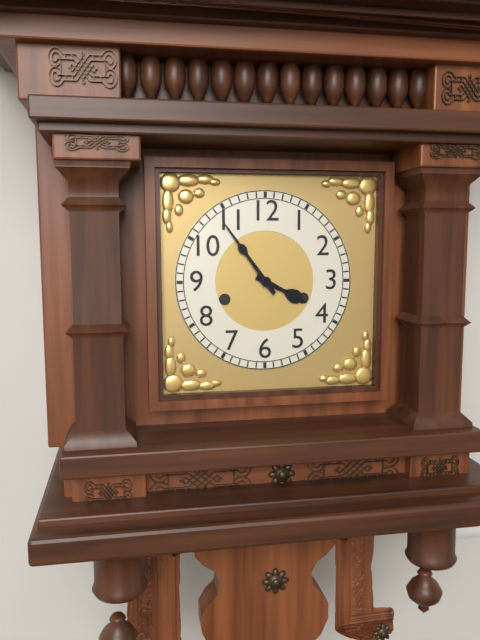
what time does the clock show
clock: 3:54
